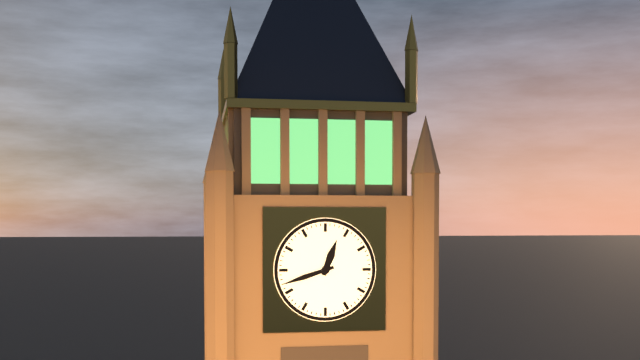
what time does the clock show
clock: 12:42
